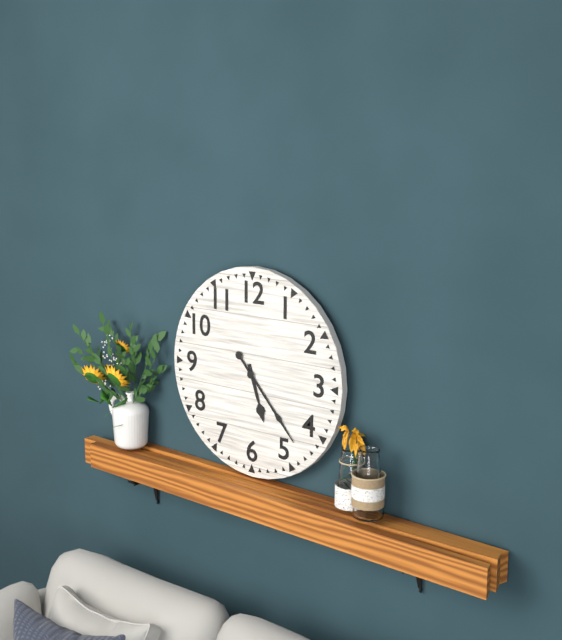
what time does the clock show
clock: 5:23
